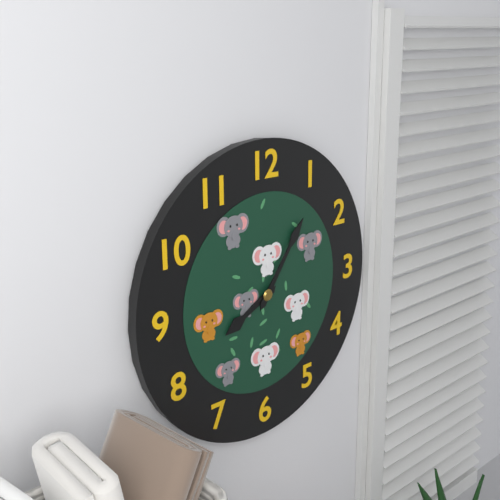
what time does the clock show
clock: 8:06
